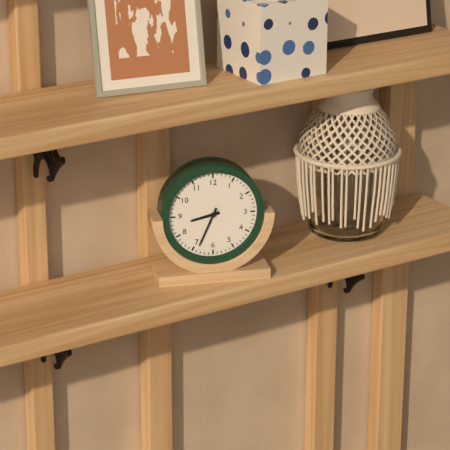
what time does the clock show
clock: 8:34
